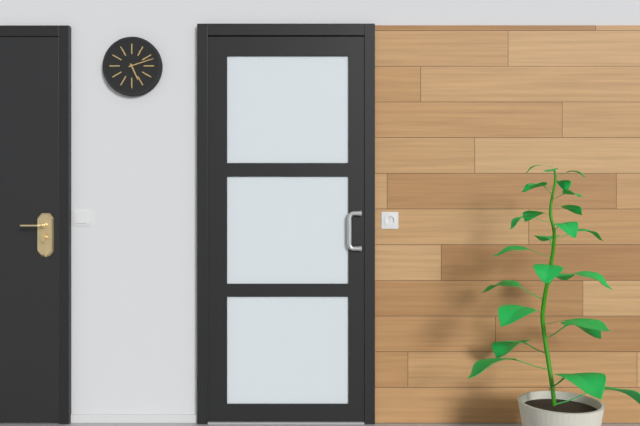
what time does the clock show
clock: 5:12
